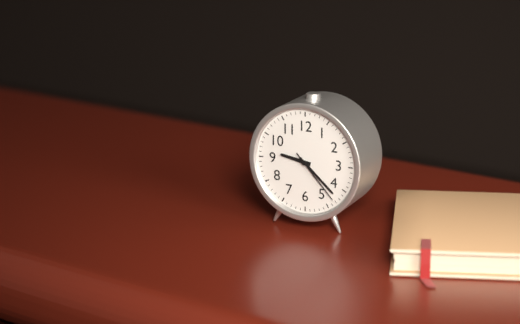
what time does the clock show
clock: 9:22:23
